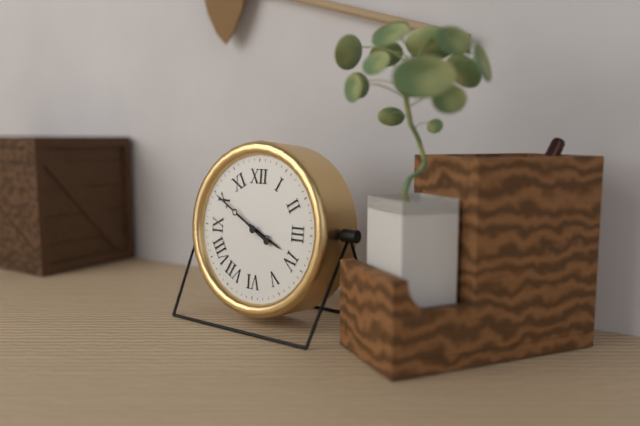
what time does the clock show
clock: 3:50
